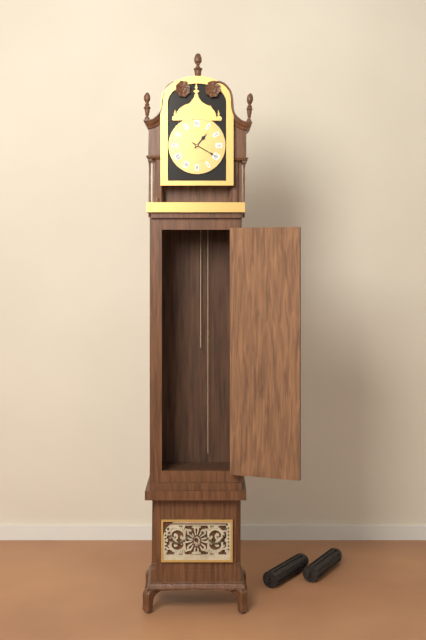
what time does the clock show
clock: 1:20
